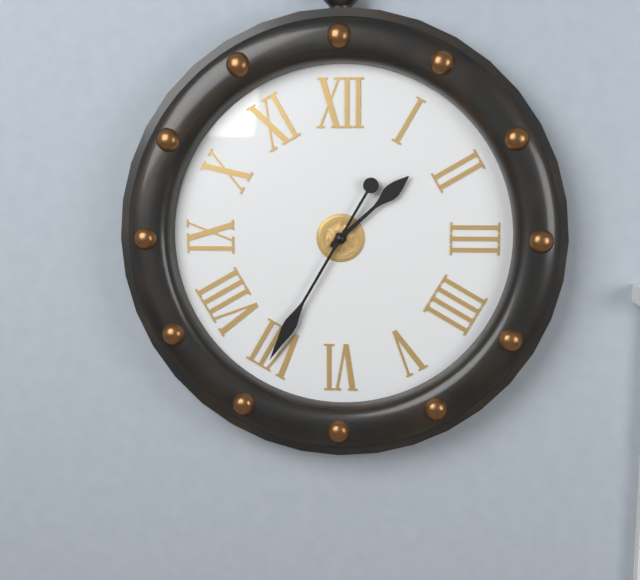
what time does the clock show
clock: 1:35
